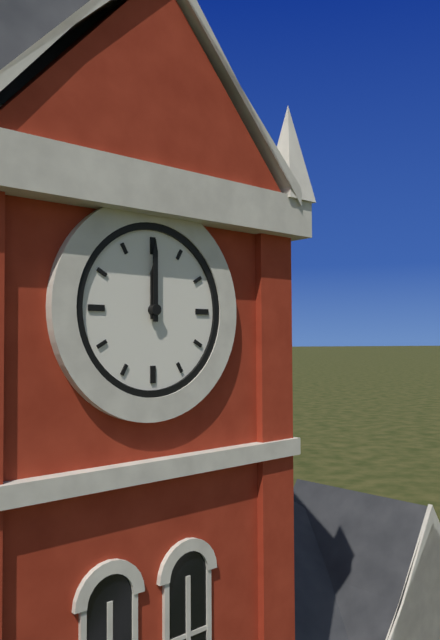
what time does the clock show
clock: 12:00
